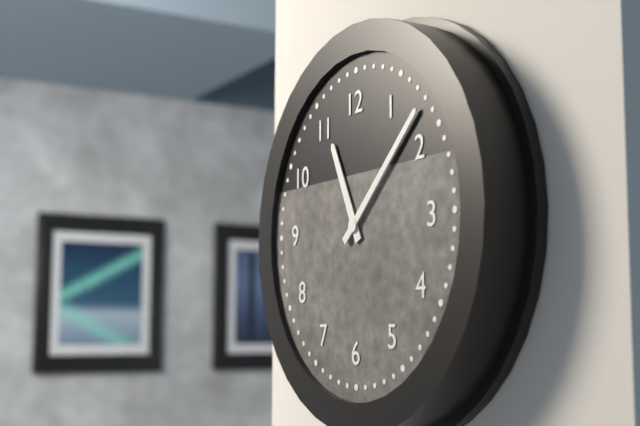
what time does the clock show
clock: 11:08
